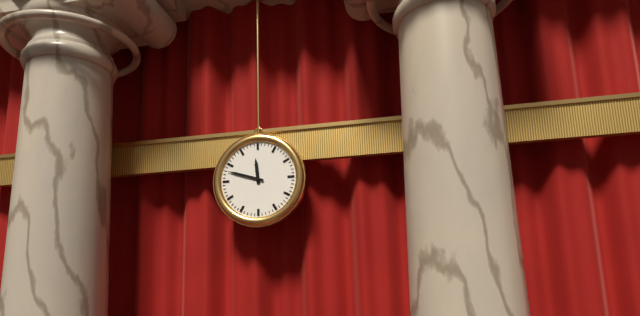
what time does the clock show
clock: 11:48
